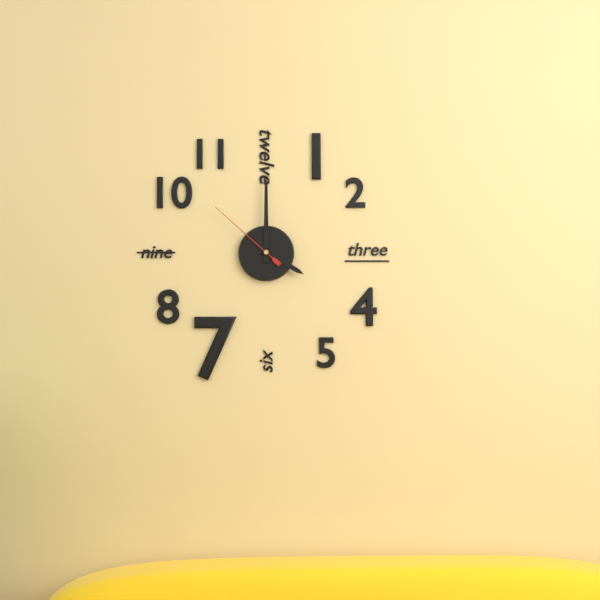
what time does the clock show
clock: 4:00:52
